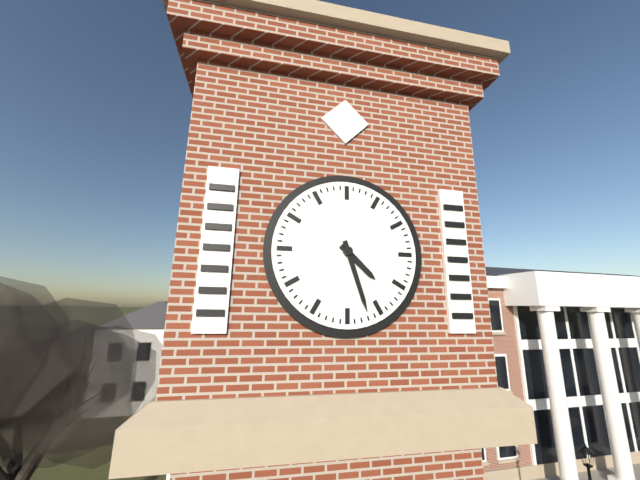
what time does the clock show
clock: 4:27
